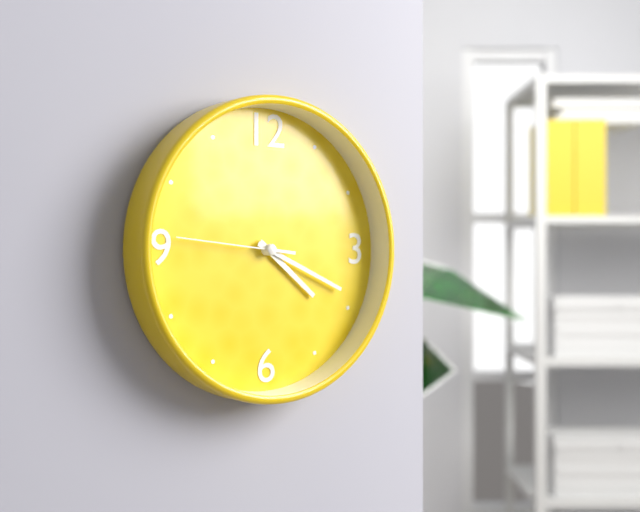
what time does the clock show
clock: 4:19:46
